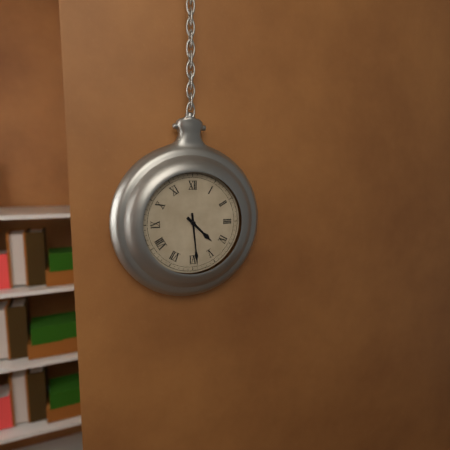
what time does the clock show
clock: 4:29
